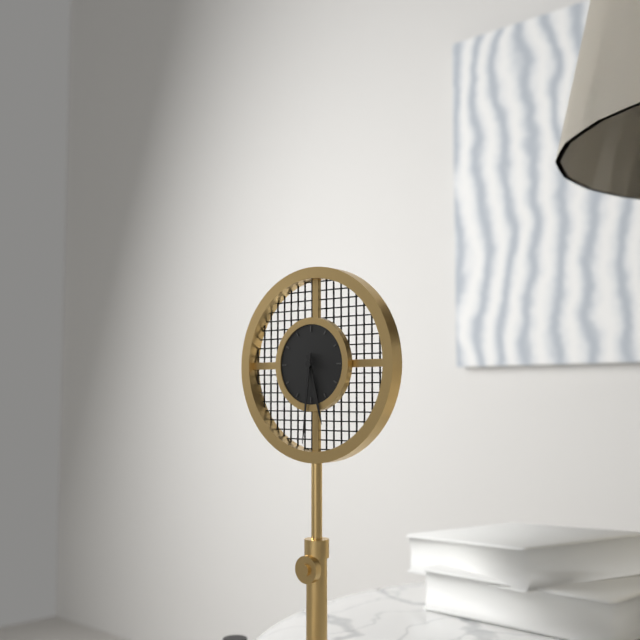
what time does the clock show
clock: 5:31
